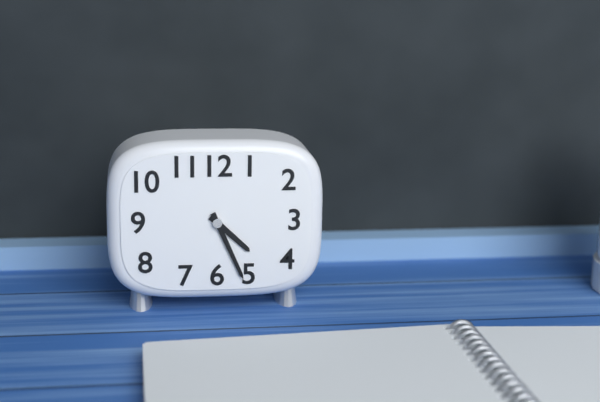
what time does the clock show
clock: 4:26
